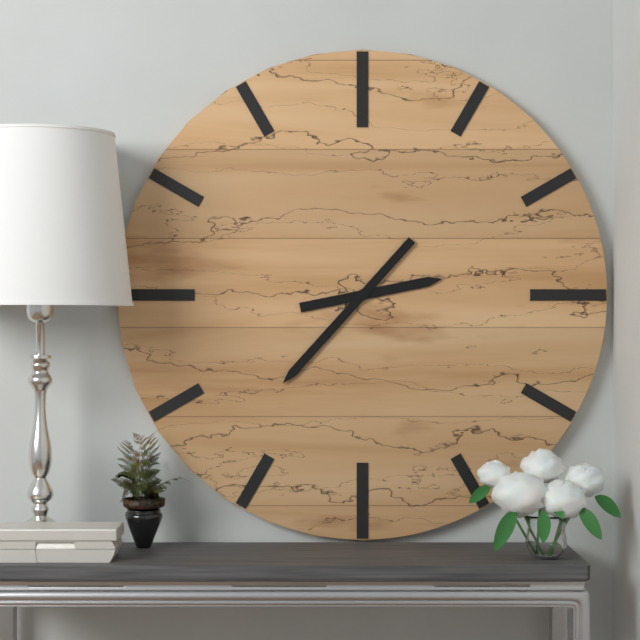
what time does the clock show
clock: 2:37
